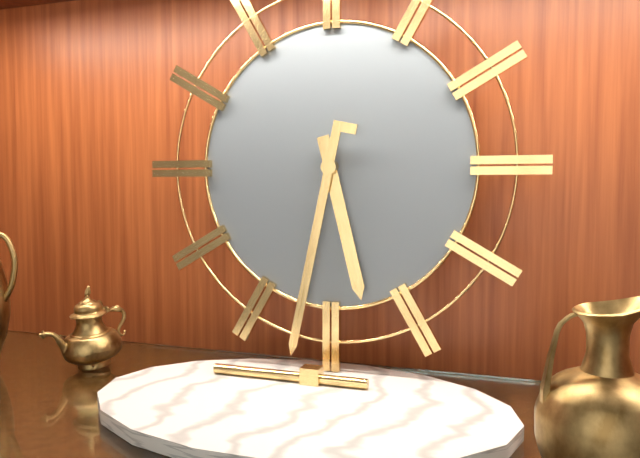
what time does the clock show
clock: 5:32
